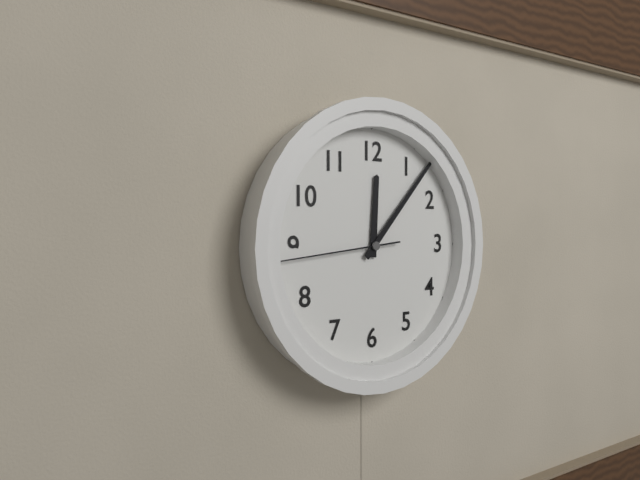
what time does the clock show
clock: 12:07:44
